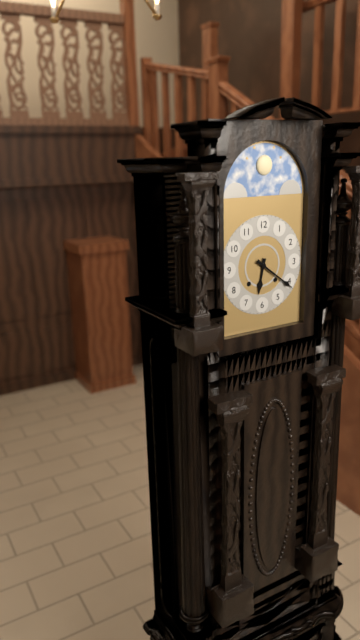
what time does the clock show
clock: 6:21
